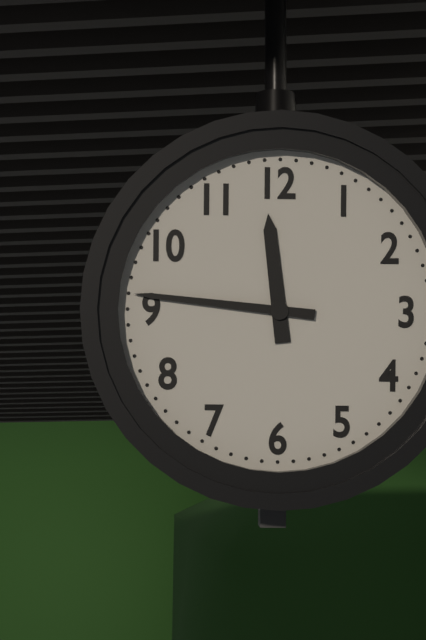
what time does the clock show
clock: 11:46
